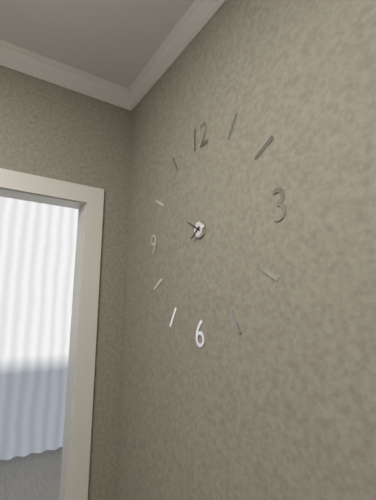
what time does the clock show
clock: 7:50
